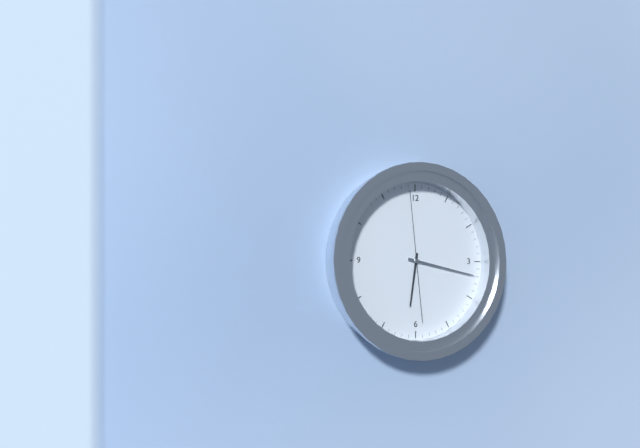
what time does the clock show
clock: 6:17:59
